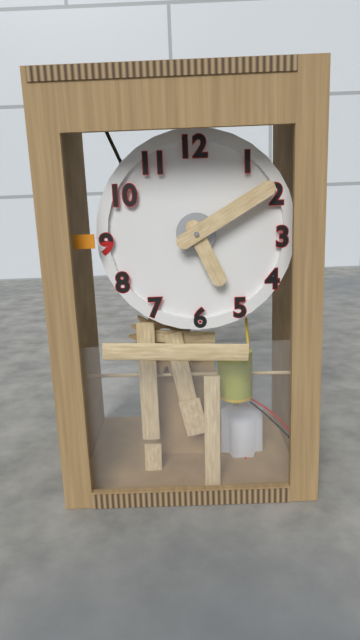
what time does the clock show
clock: 5:10
